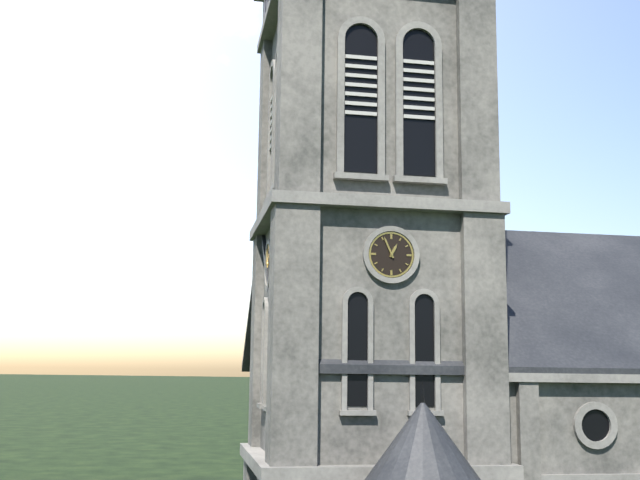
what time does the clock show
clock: 12:56
